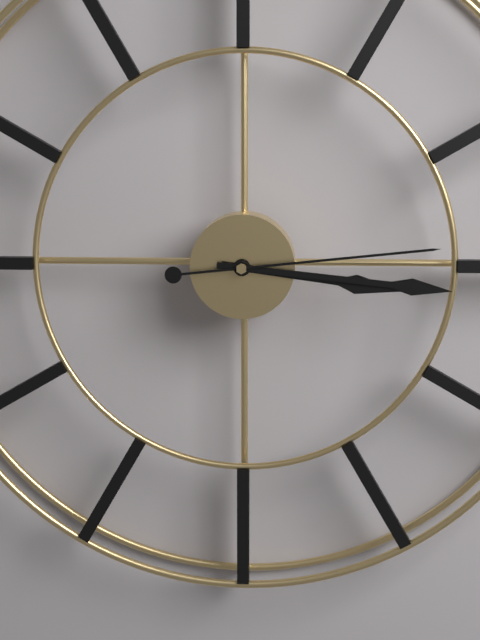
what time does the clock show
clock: 3:16:14
